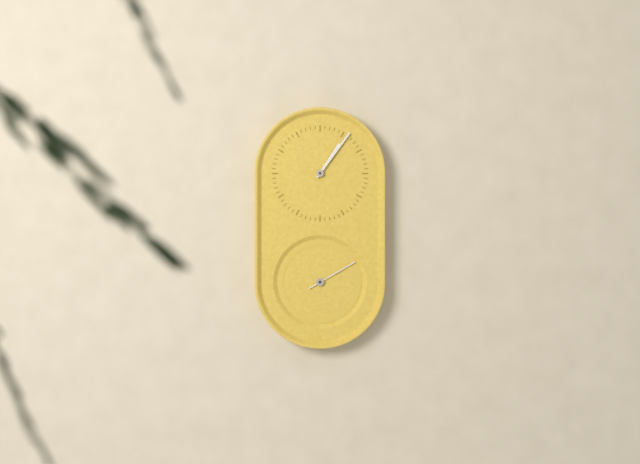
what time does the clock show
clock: 1:06:10
